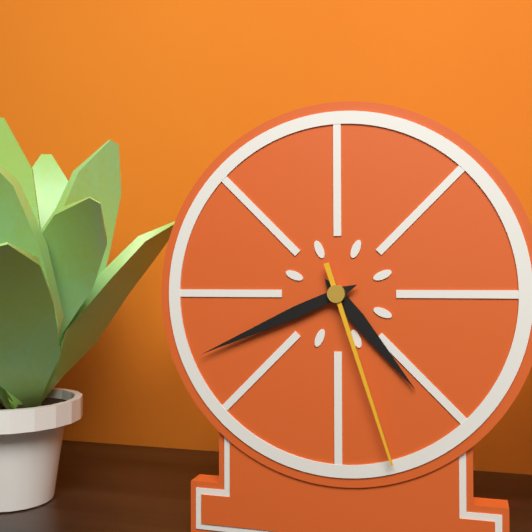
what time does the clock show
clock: 4:41:27
